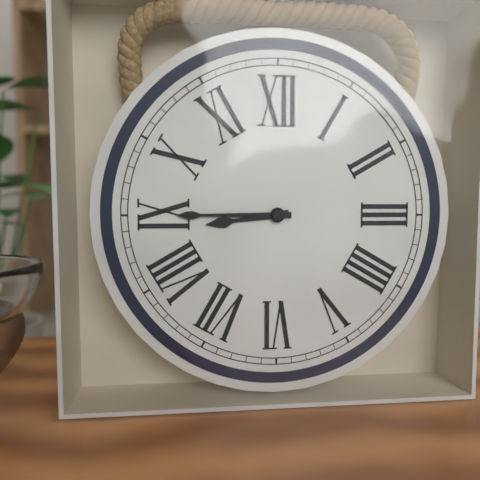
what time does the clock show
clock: 8:45
